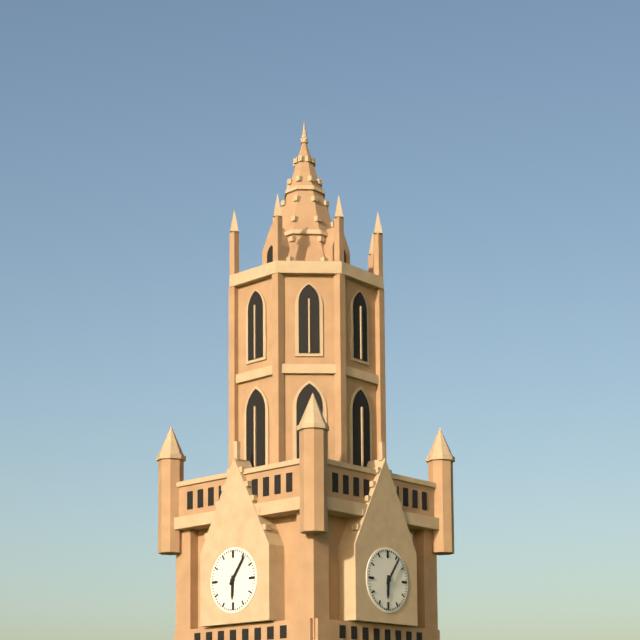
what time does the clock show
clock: 6:06
